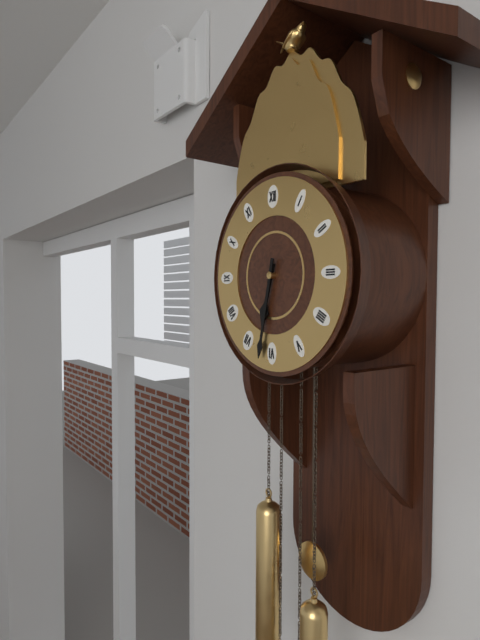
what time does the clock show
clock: 6:32
